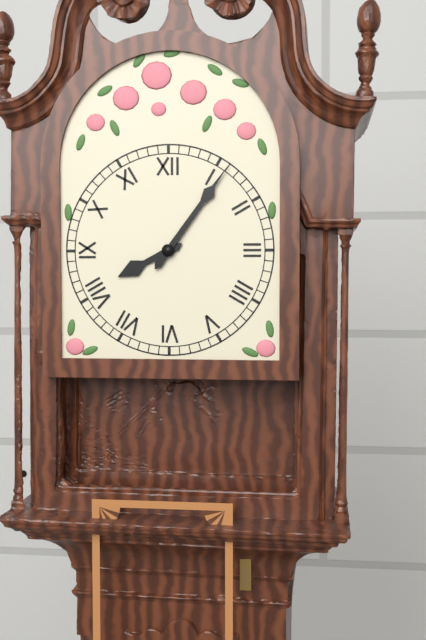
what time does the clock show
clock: 8:06
